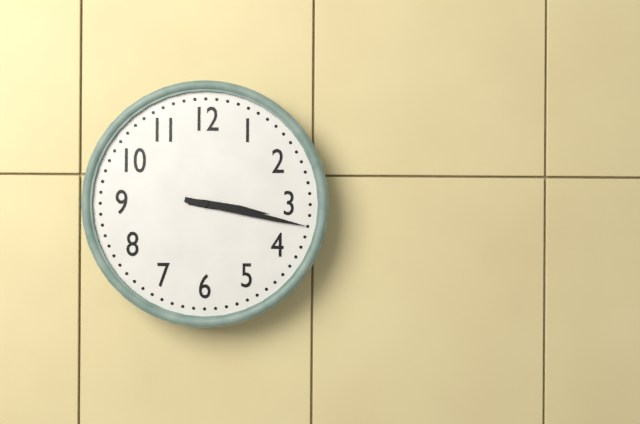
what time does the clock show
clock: 3:17
